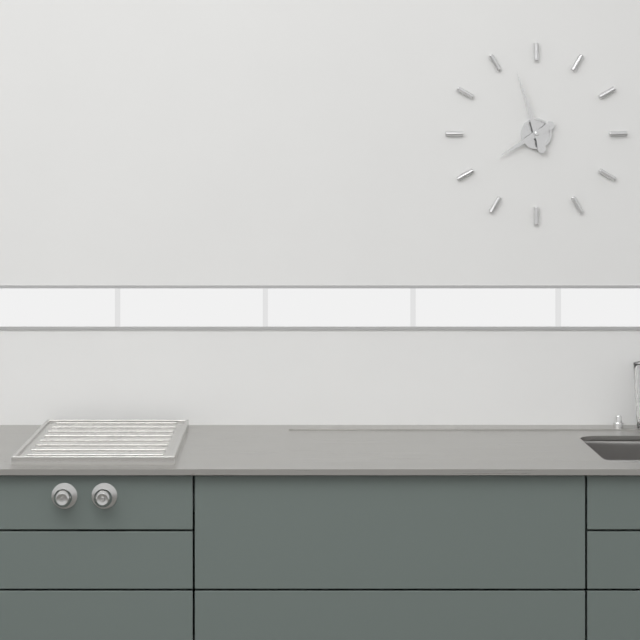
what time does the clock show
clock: 7:57
